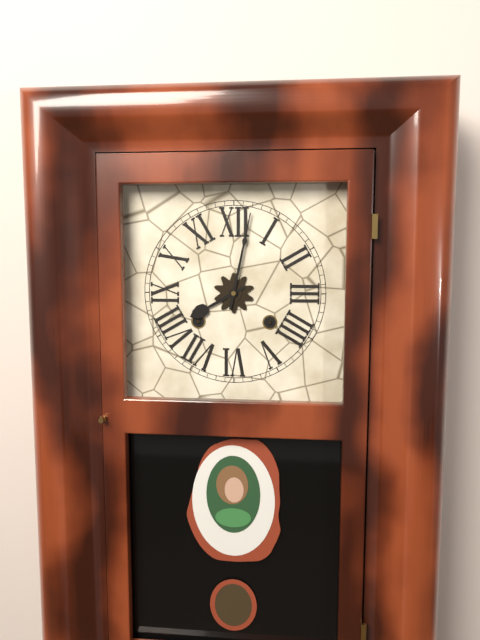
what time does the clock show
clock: 8:02
